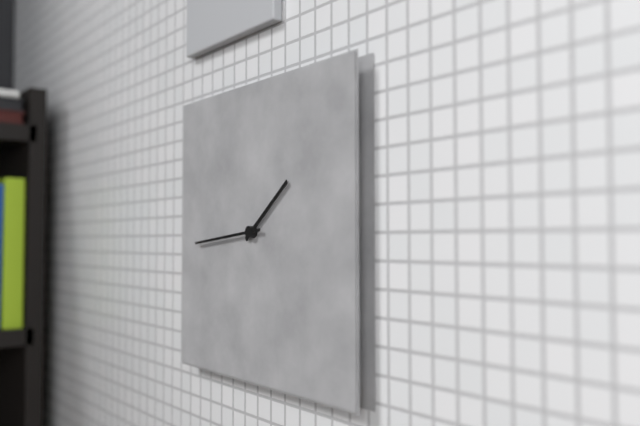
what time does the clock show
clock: 1:44
